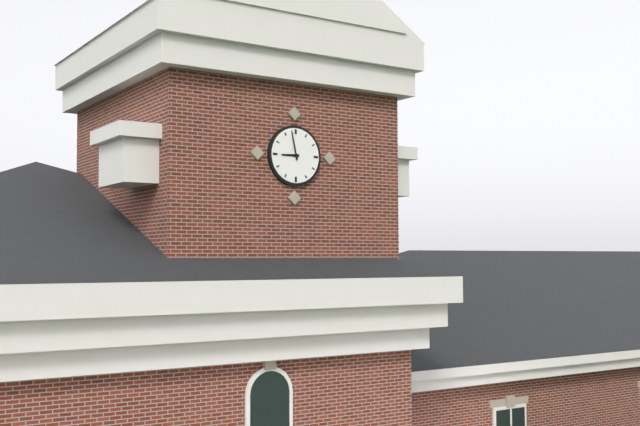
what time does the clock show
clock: 8:58
